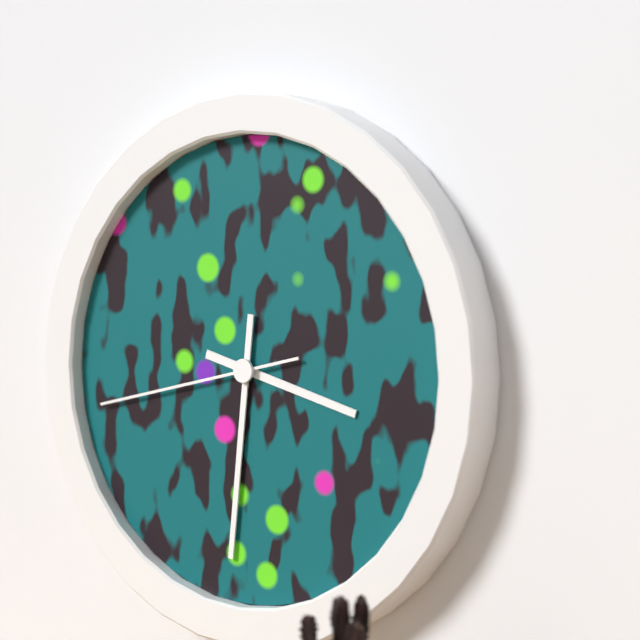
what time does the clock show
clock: 3:31:43
